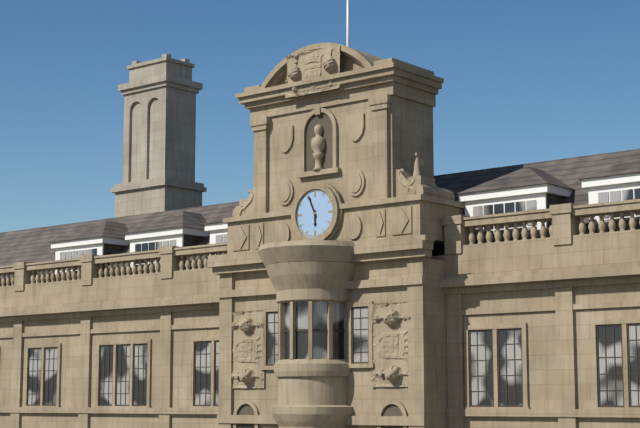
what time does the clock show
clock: 5:56
